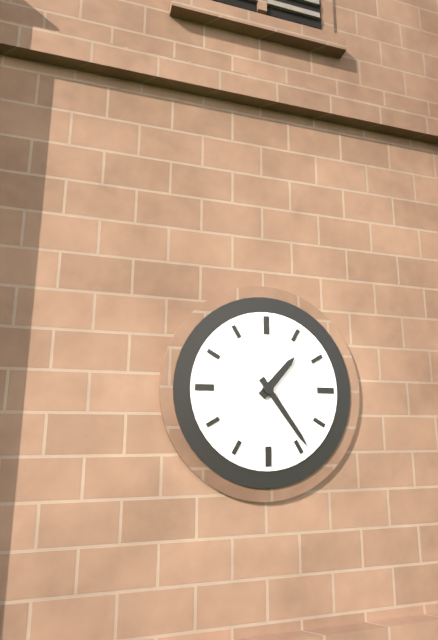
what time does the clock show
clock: 1:24
